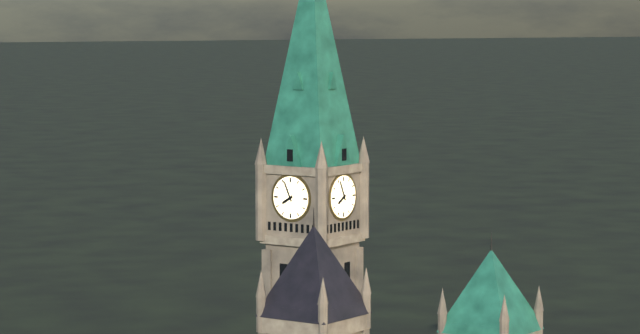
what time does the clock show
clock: 7:56
